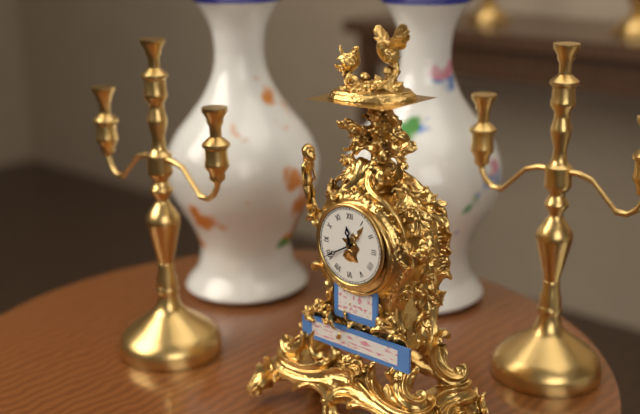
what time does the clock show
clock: 11:40
